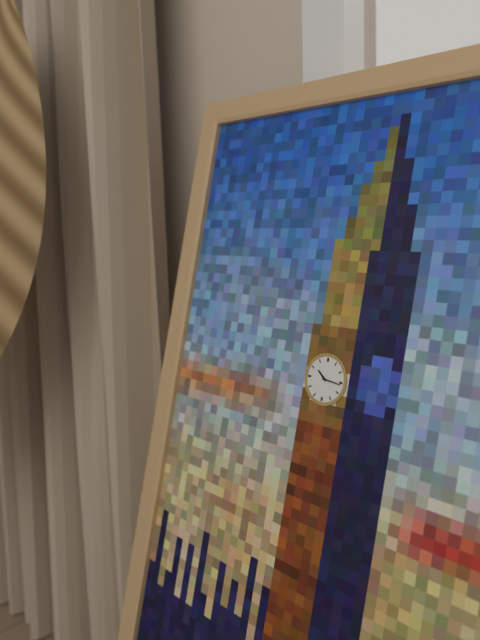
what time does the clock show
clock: 10:16
